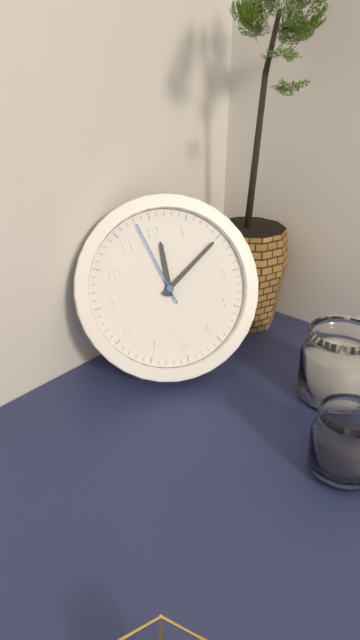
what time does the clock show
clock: 12:10:58
